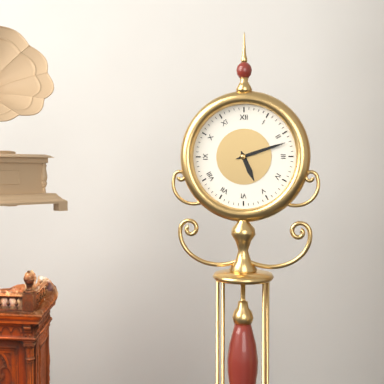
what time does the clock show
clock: 5:12
